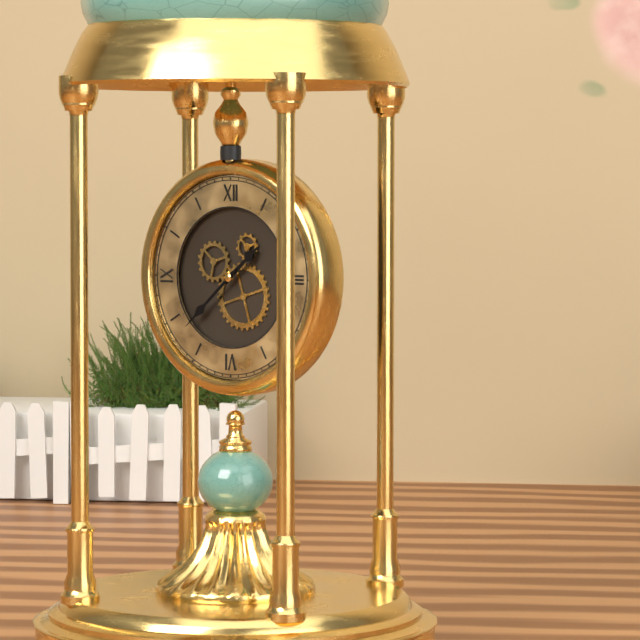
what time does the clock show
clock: 1:38
